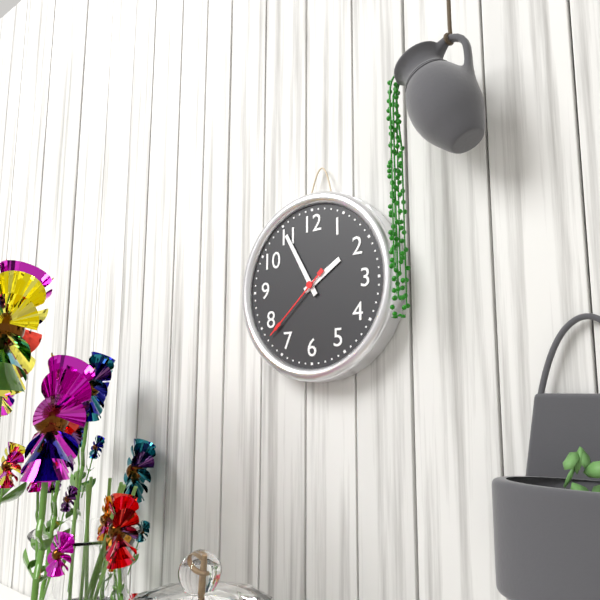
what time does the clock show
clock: 1:55:38
